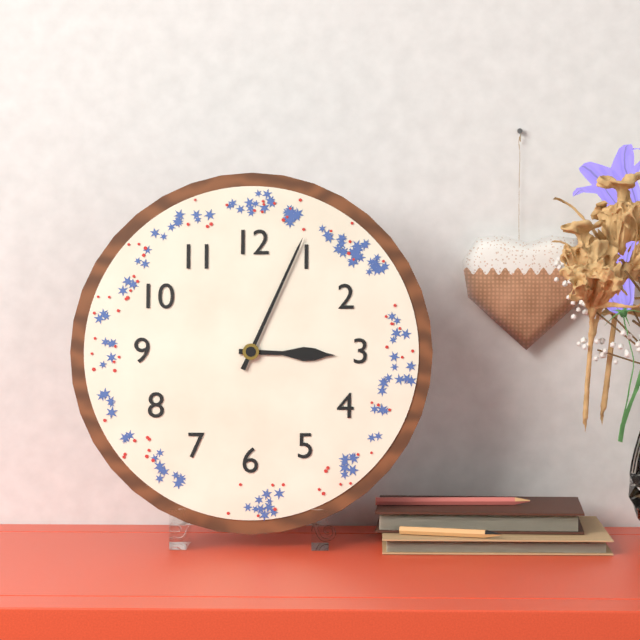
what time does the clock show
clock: 3:04
